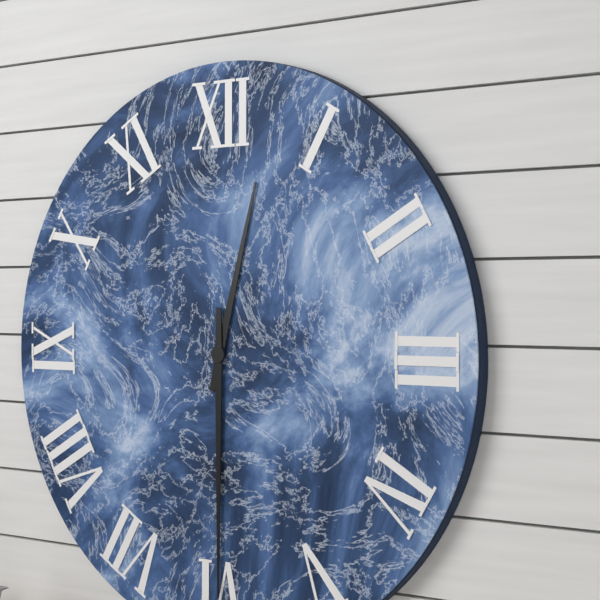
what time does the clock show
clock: 12:30
